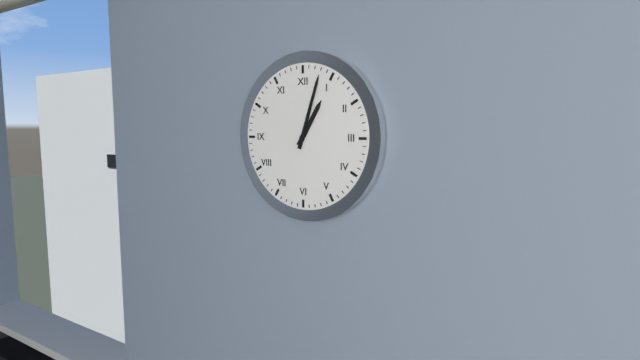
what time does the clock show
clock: 1:03
